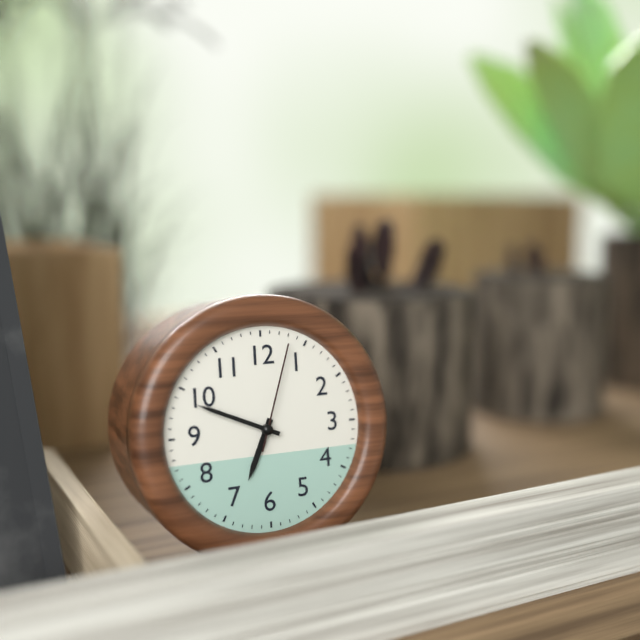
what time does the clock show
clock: 6:49:03
